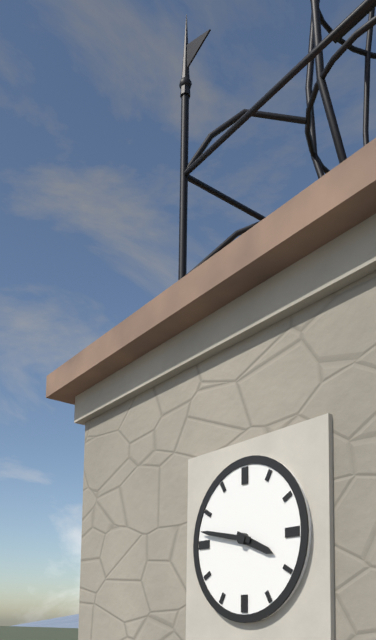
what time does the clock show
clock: 3:47
